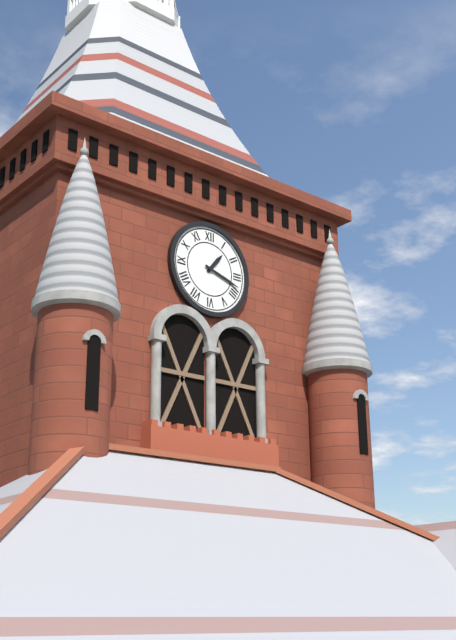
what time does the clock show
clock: 1:18
